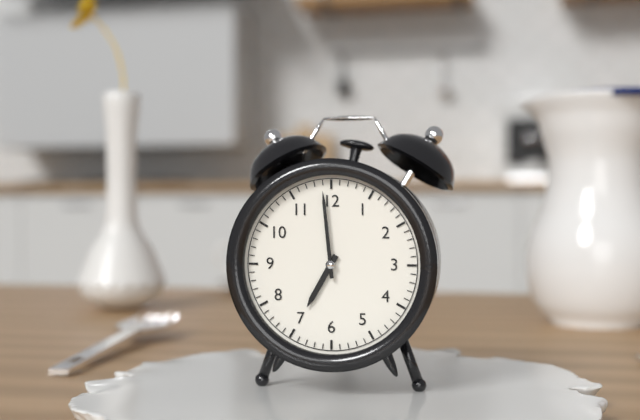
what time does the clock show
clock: 6:59
